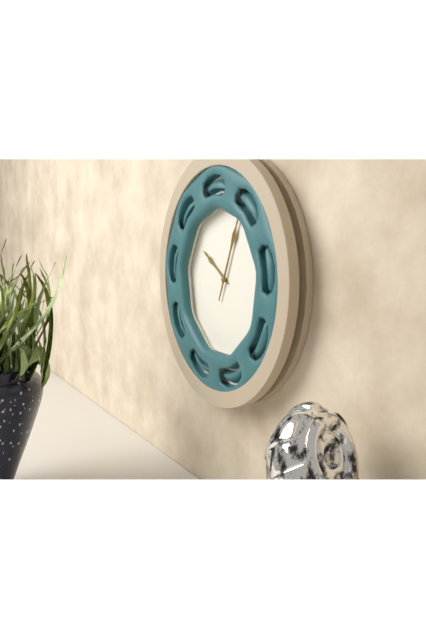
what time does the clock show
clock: 10:04
